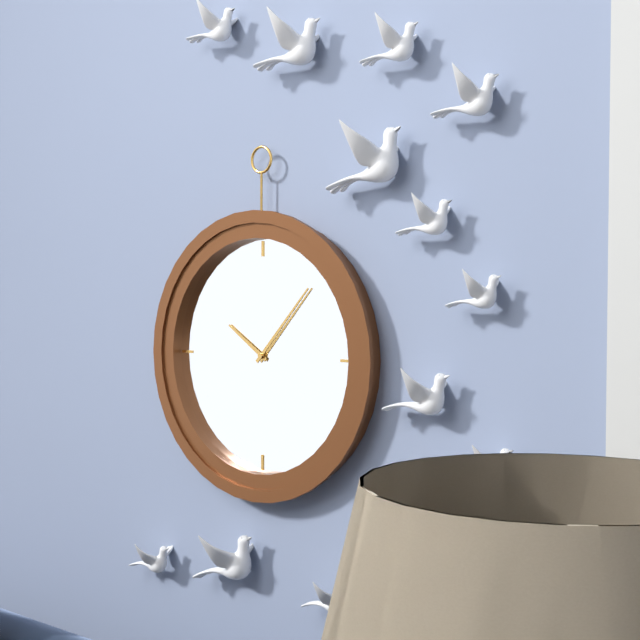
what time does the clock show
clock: 10:07
